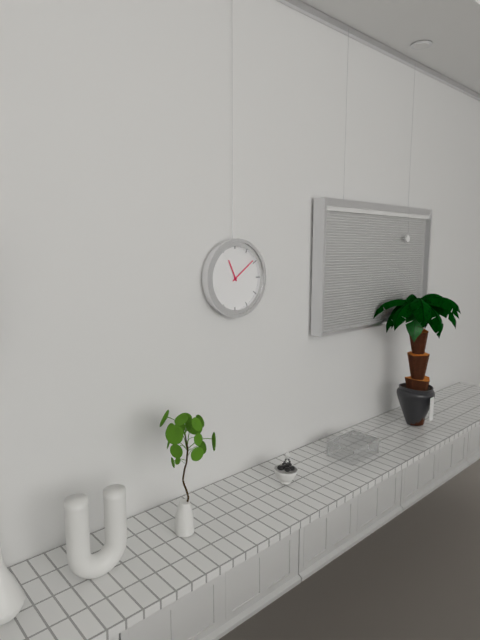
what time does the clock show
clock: 11:09
